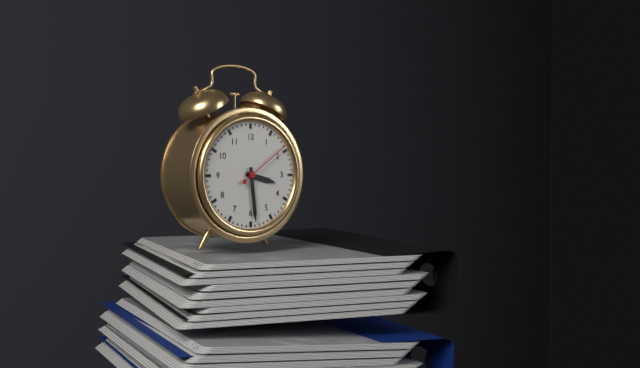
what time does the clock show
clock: 3:29:09
